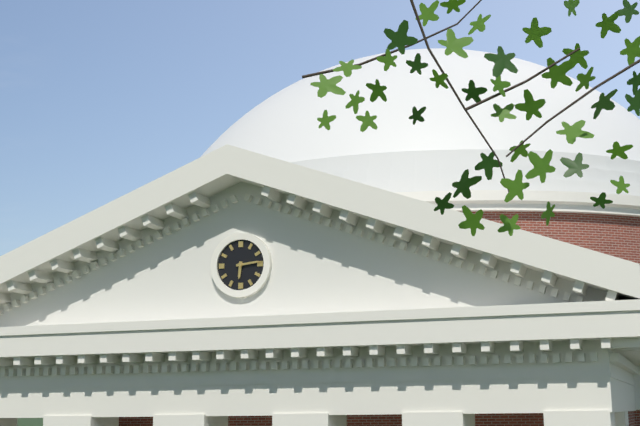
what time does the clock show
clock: 6:14
